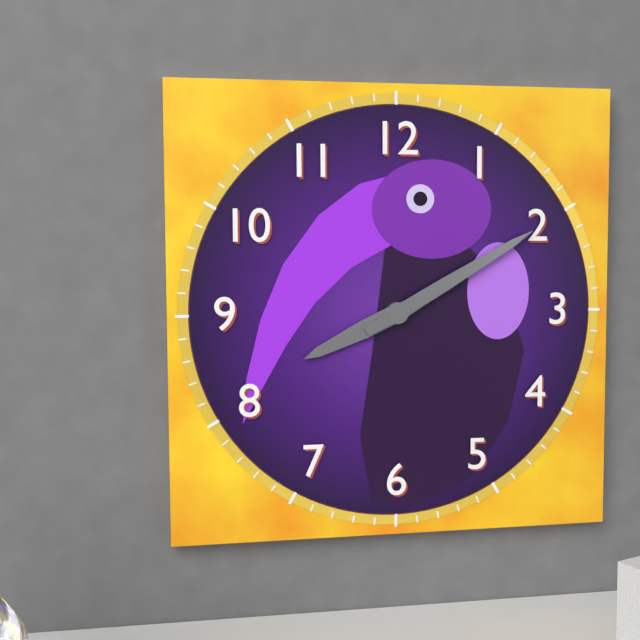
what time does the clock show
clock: 8:10
